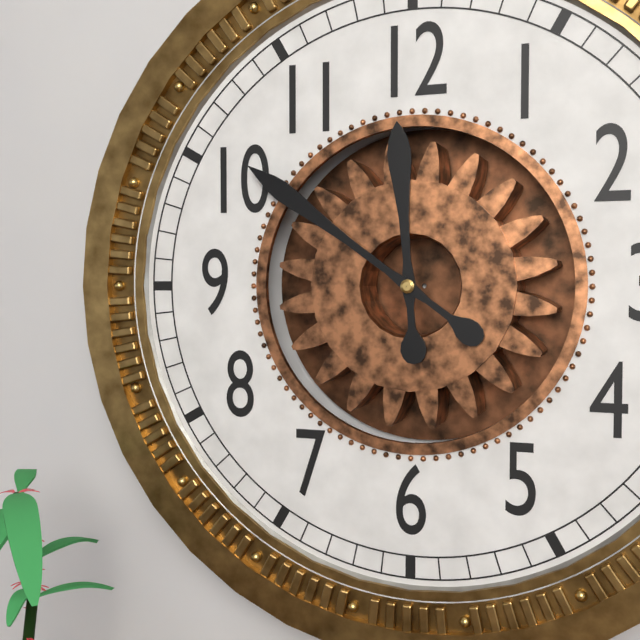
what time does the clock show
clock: 11:51
